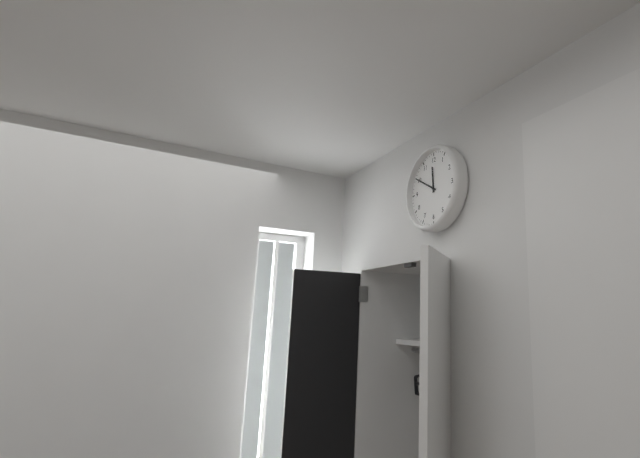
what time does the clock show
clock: 11:50
